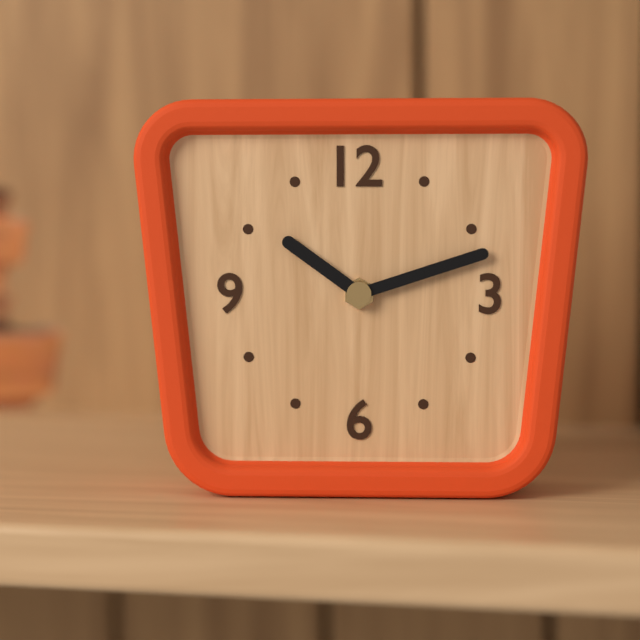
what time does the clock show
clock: 10:12
